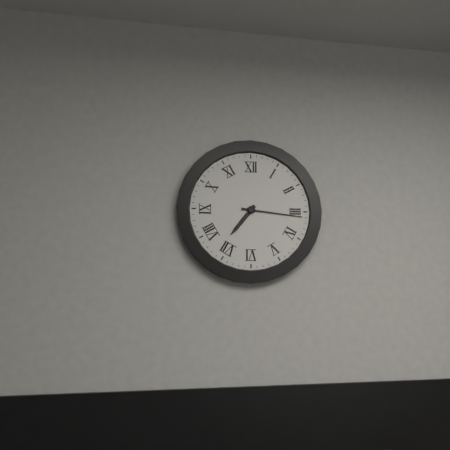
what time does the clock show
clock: 7:16
